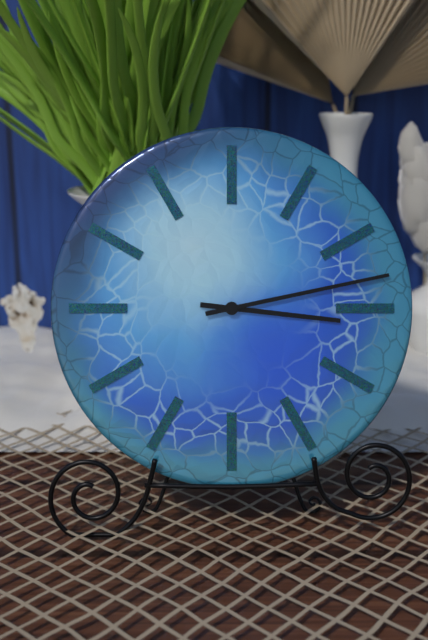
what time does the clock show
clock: 3:13
